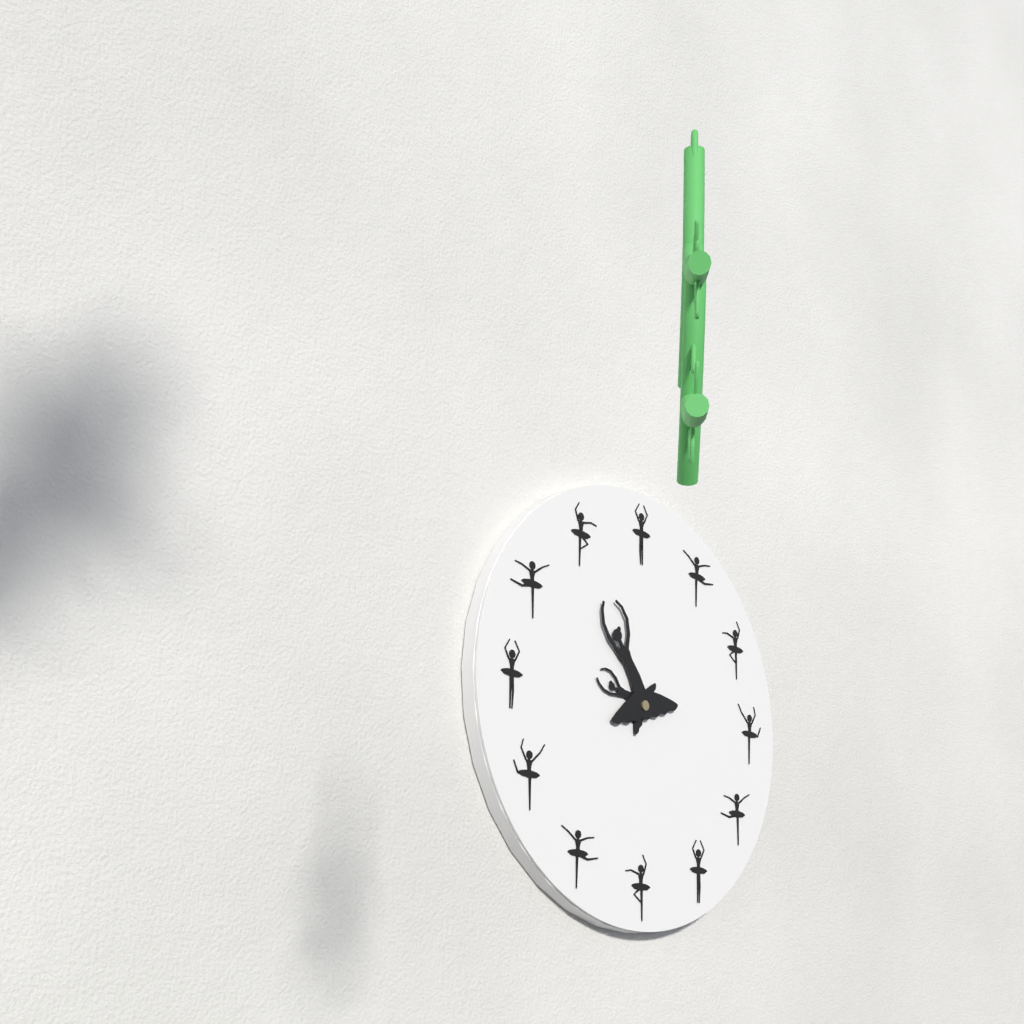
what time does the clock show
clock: 9:57
